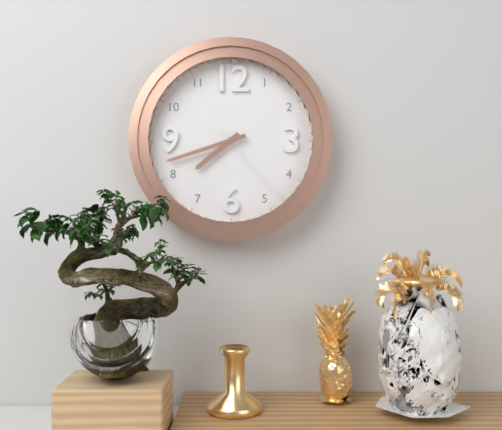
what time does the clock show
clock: 7:42:23
